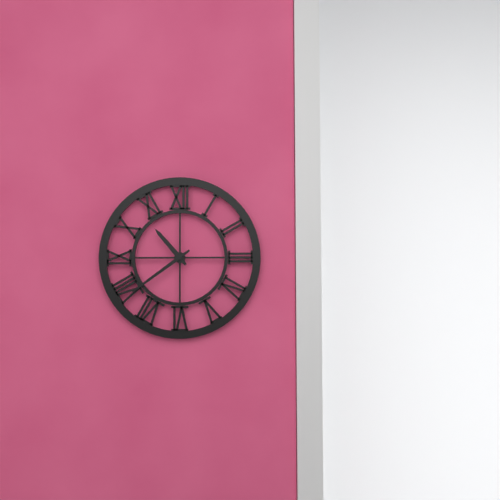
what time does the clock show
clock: 10:39
